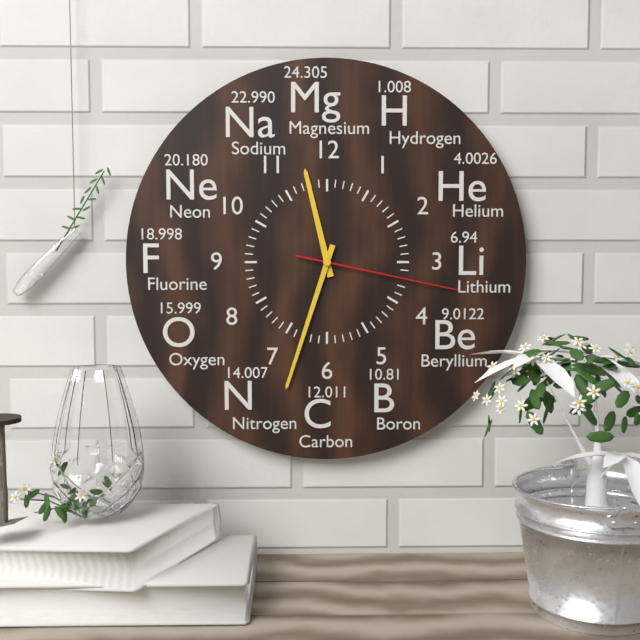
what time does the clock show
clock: 11:33:17
